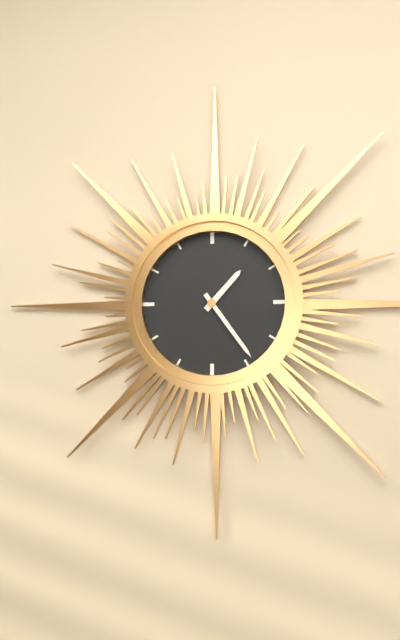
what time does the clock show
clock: 1:24
